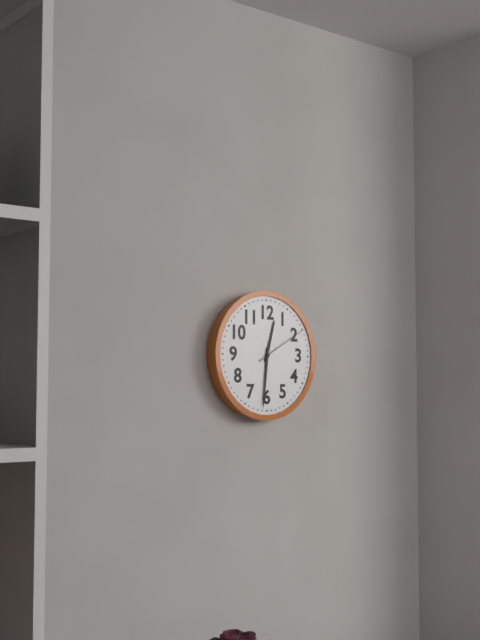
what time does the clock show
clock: 12:31:10
